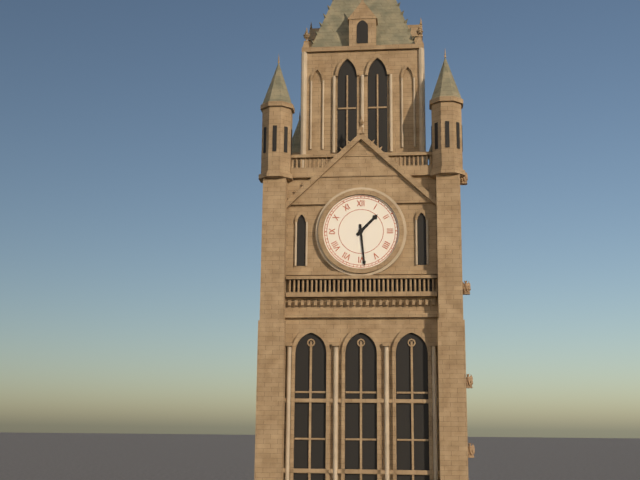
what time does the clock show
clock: 1:29
